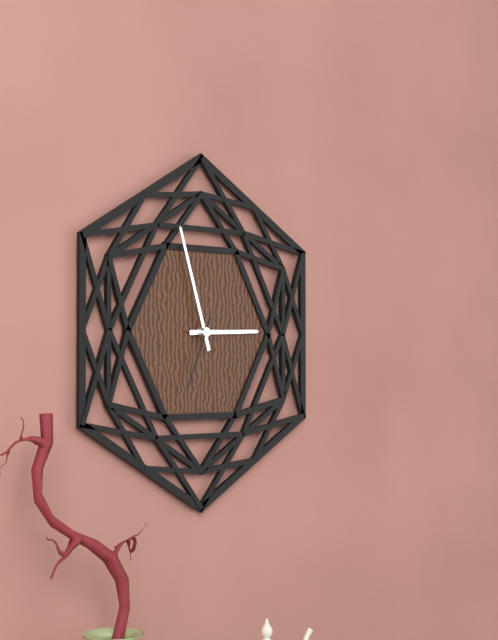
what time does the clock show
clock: 2:57:34
